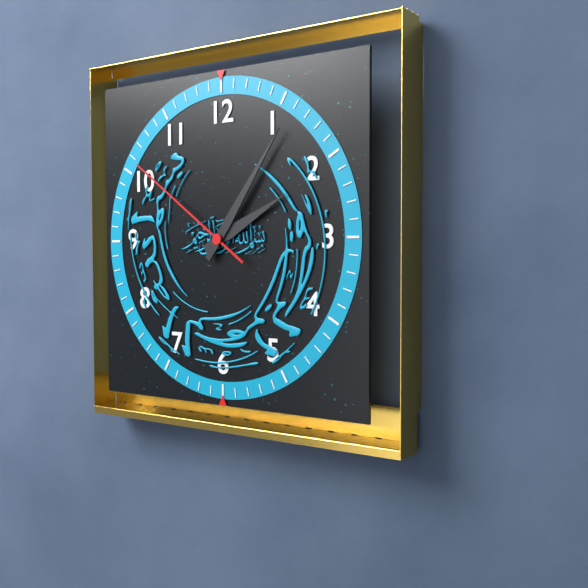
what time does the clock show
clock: 2:06:51
